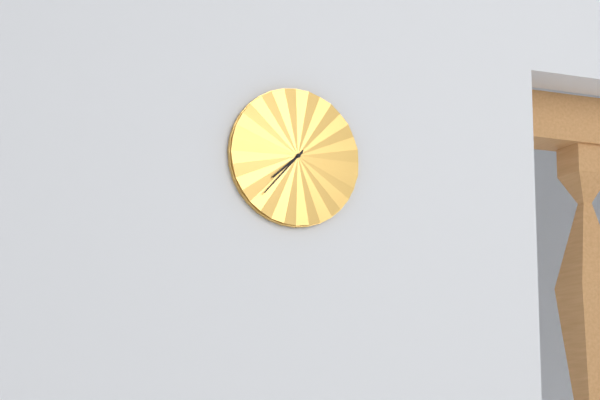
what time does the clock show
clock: 7:37
